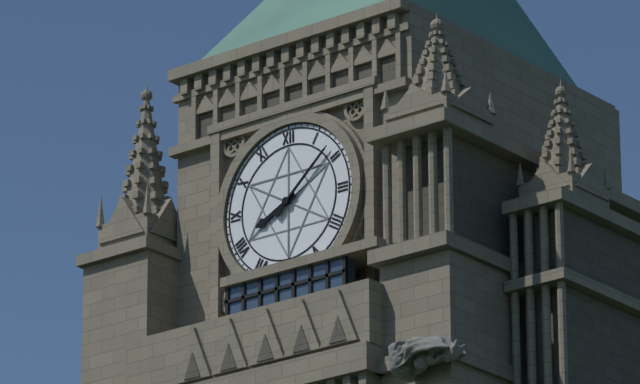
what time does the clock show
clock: 8:08
